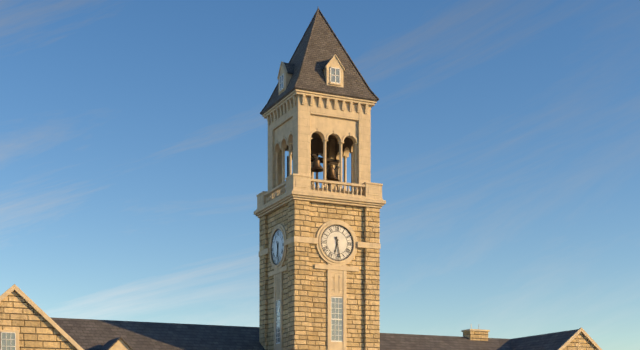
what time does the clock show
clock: 6:28
